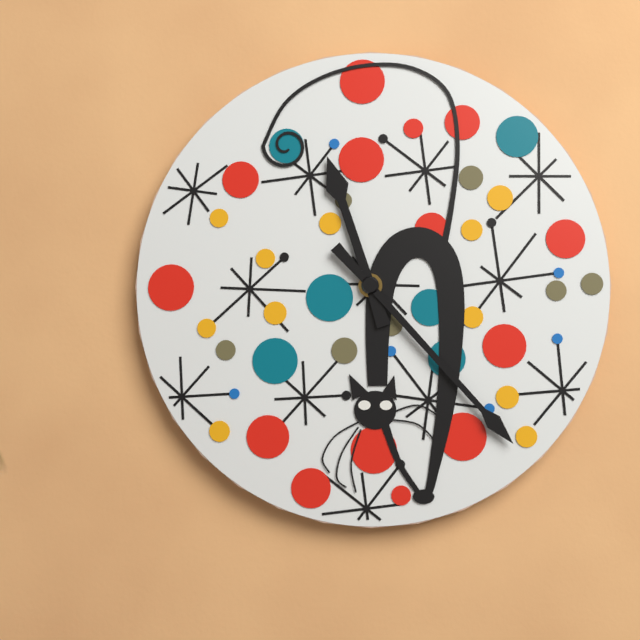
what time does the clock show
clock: 11:23
